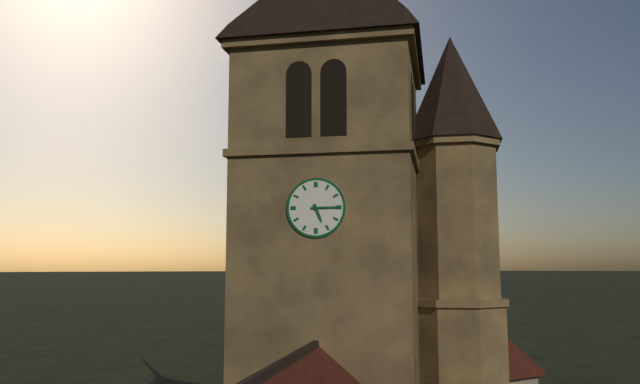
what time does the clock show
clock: 5:15
